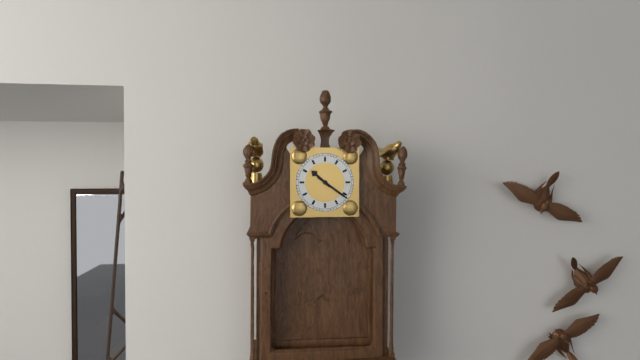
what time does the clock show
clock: 10:21
